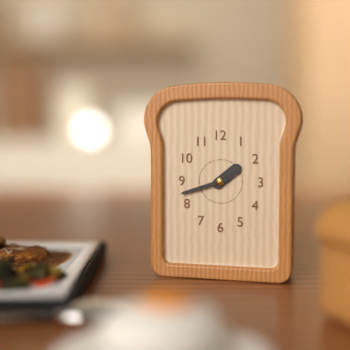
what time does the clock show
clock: 1:42
